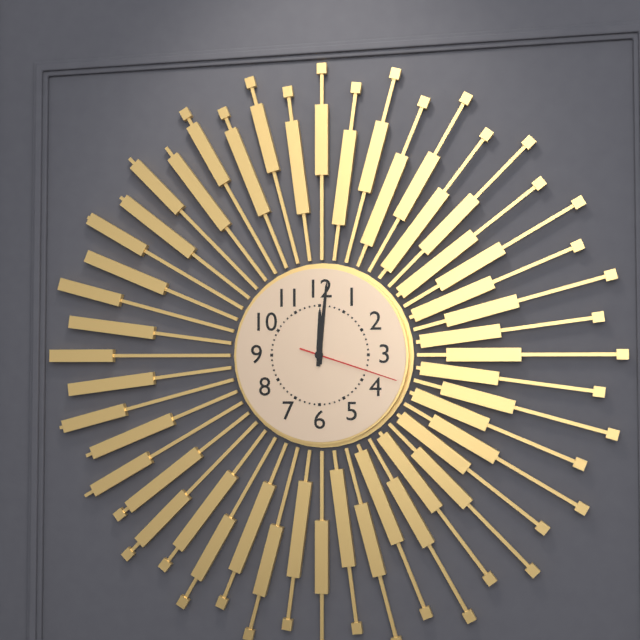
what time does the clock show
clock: 12:01:18
